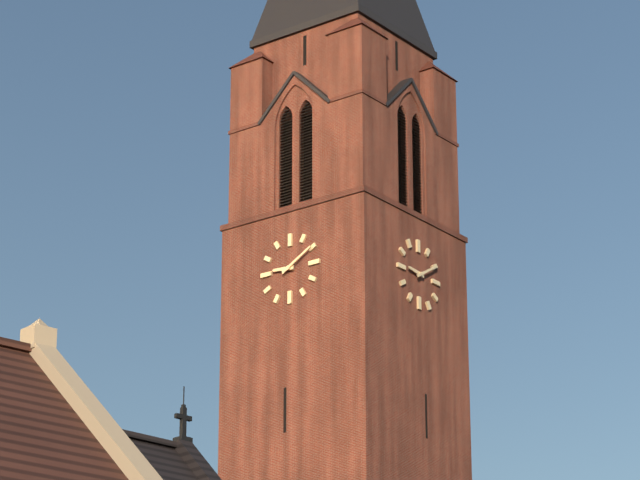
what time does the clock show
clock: 9:10
